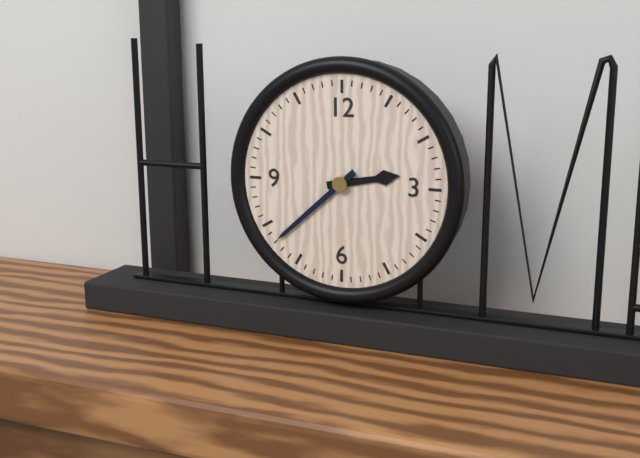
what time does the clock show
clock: 2:38
